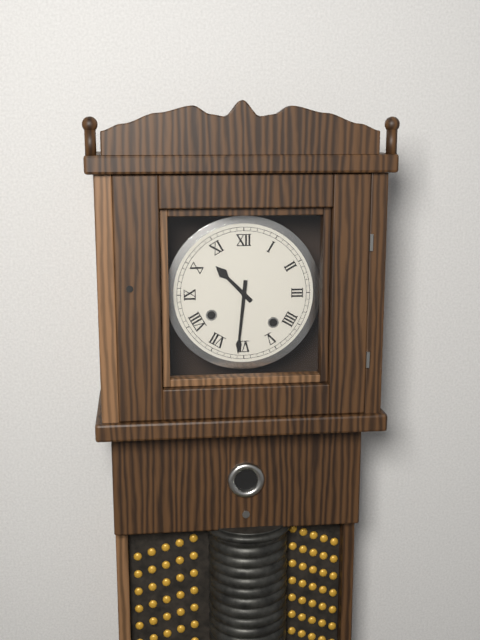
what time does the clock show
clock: 10:31
